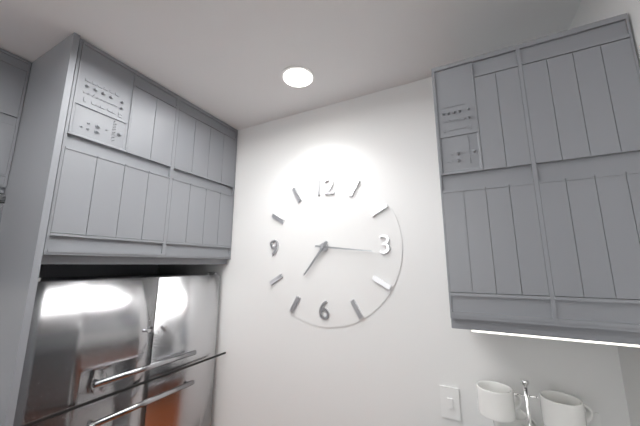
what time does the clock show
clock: 7:16
